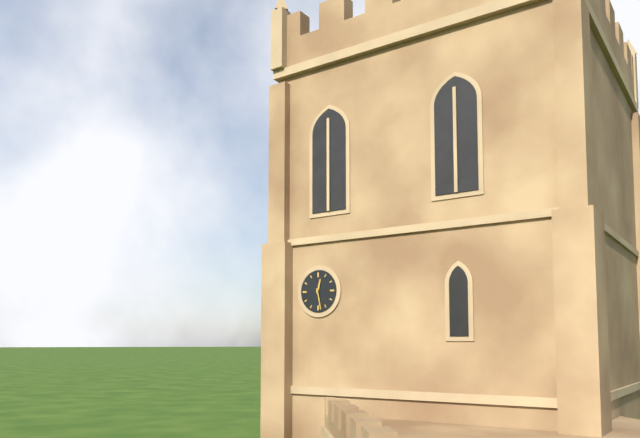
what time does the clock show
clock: 12:28
